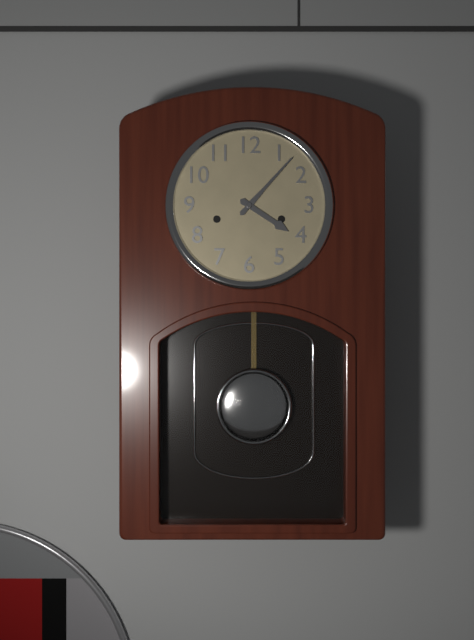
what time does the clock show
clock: 4:07
